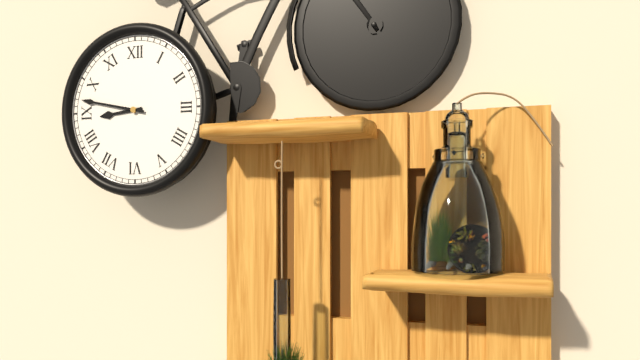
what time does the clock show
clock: 8:47
